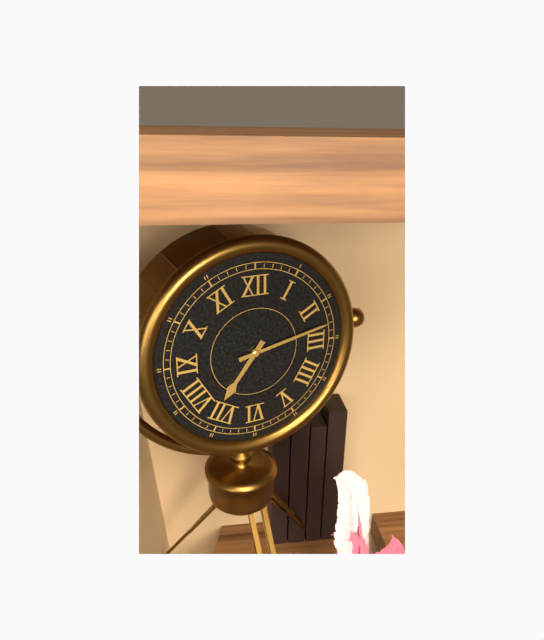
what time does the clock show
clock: 7:13
